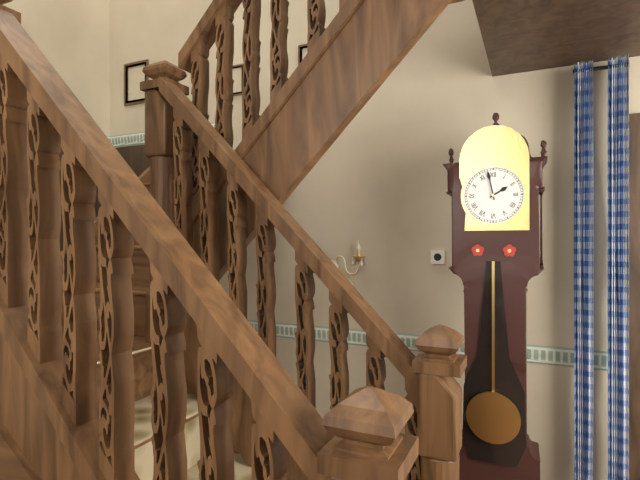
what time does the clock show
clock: 1:58
